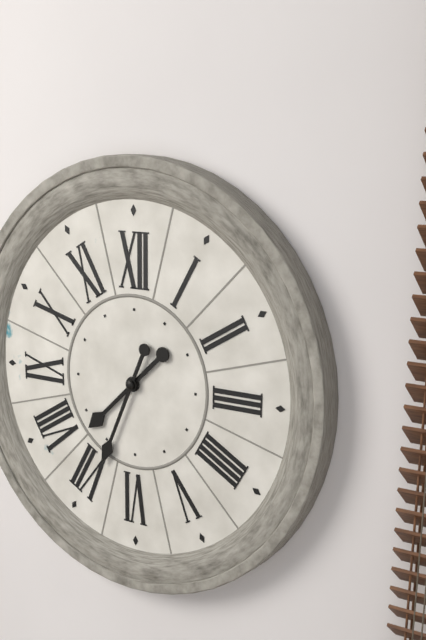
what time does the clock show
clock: 7:34
